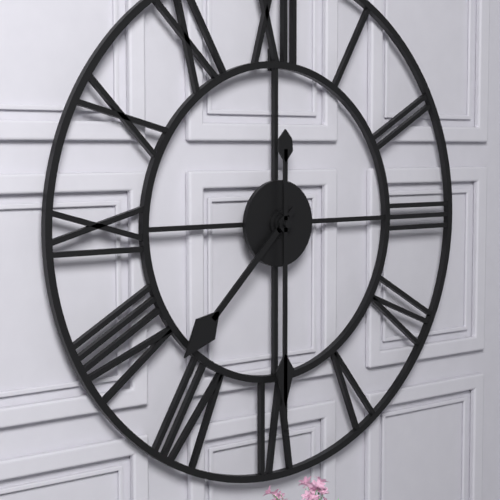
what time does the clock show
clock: 7:30
